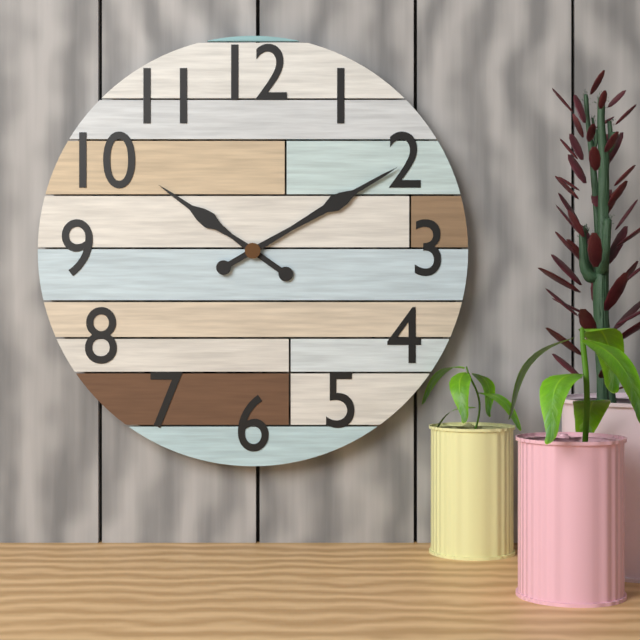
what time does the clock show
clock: 10:10
